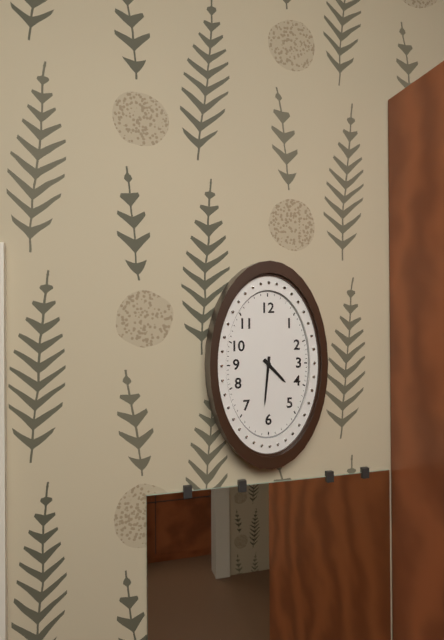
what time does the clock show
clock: 4:31
